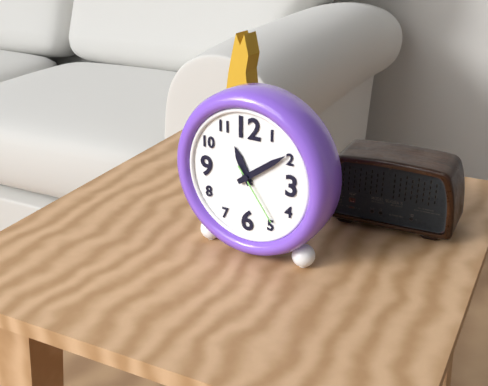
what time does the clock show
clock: 11:09:24
